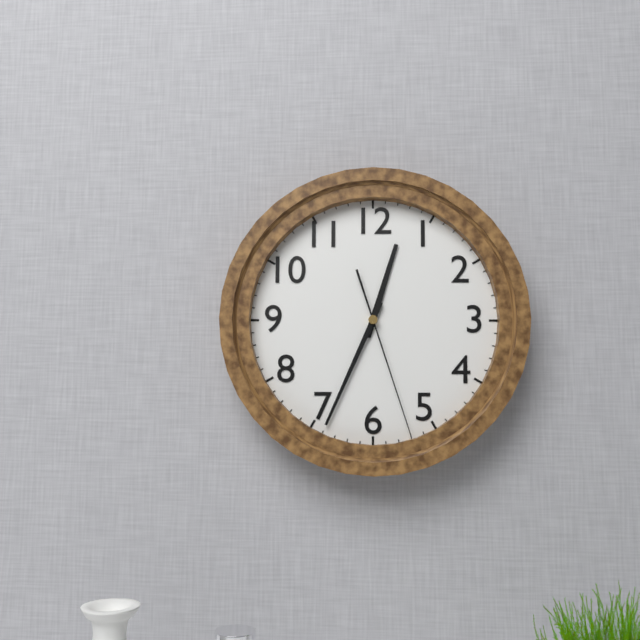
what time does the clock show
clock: 12:34:27
